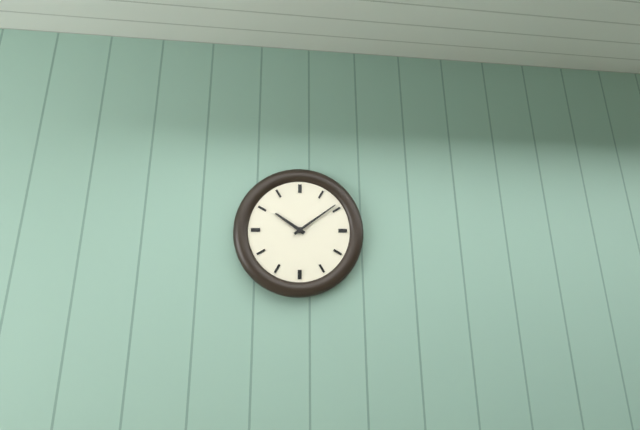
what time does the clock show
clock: 10:09
